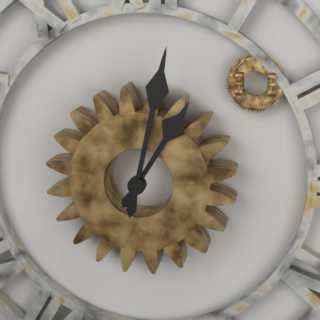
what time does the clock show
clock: 1:02
